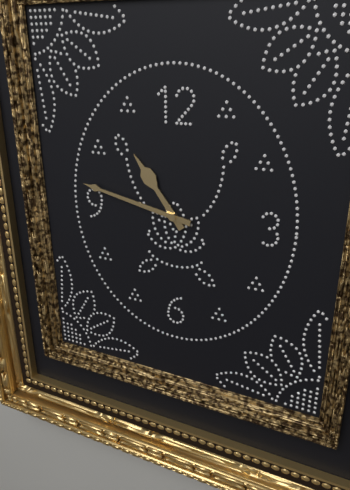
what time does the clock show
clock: 10:47
